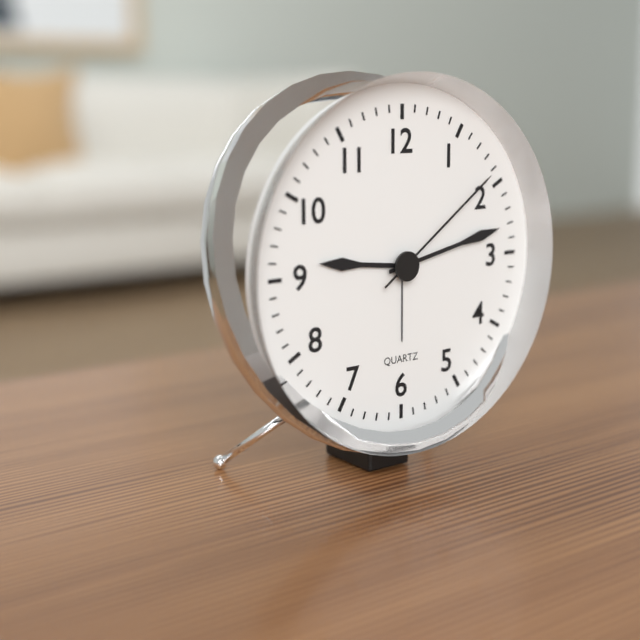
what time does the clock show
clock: 9:13:09
